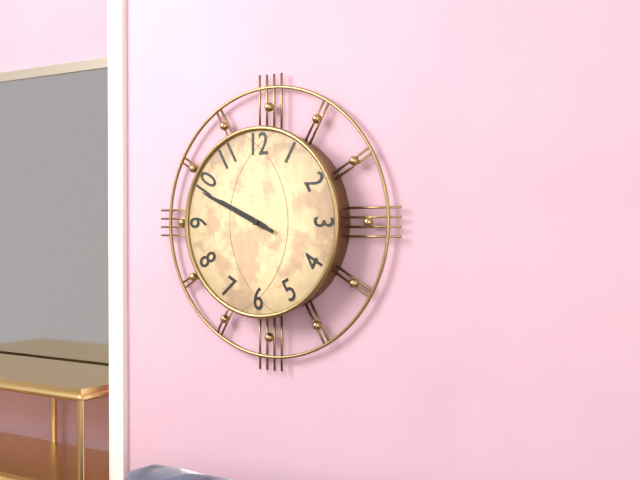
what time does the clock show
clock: 9:49
